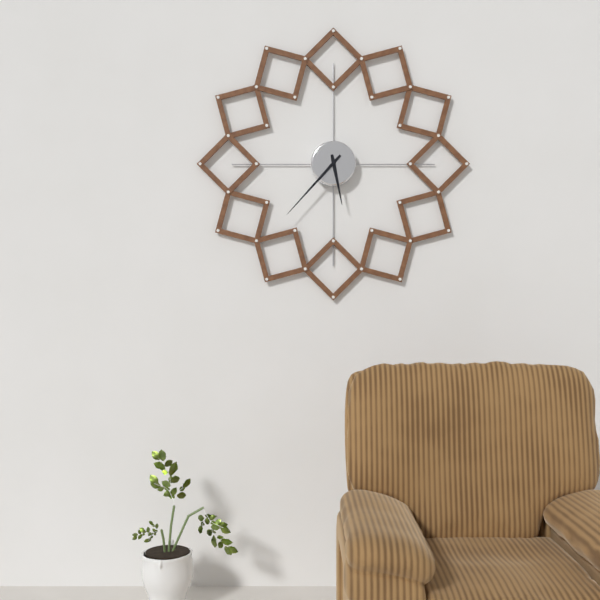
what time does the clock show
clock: 5:37
